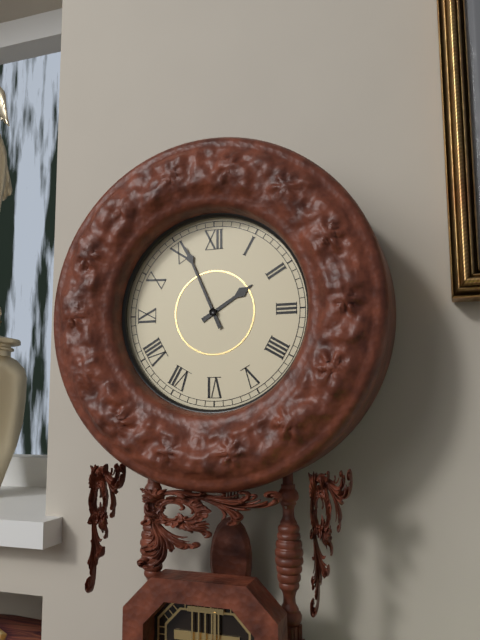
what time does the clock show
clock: 1:56
